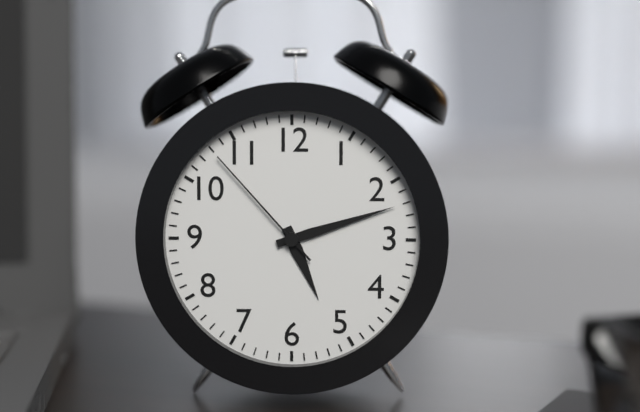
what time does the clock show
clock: 5:12:53
